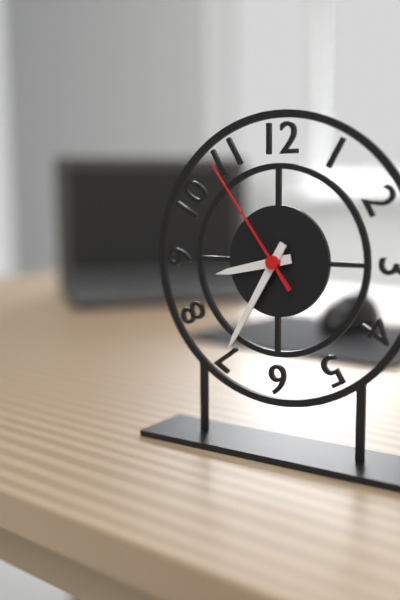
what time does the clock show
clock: 8:35:54
